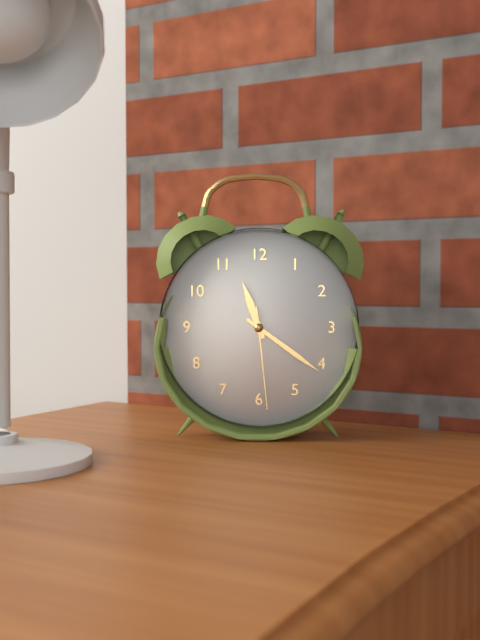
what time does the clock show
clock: 11:21:29
